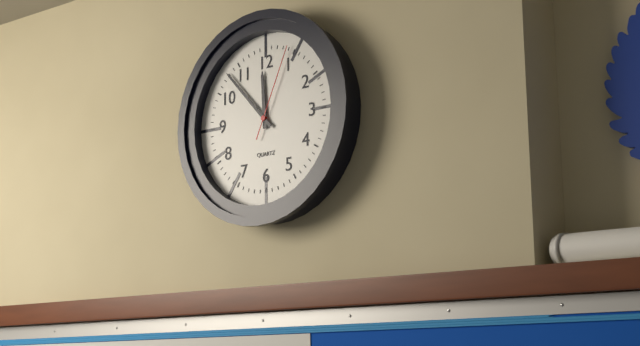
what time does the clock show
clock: 11:53:04
